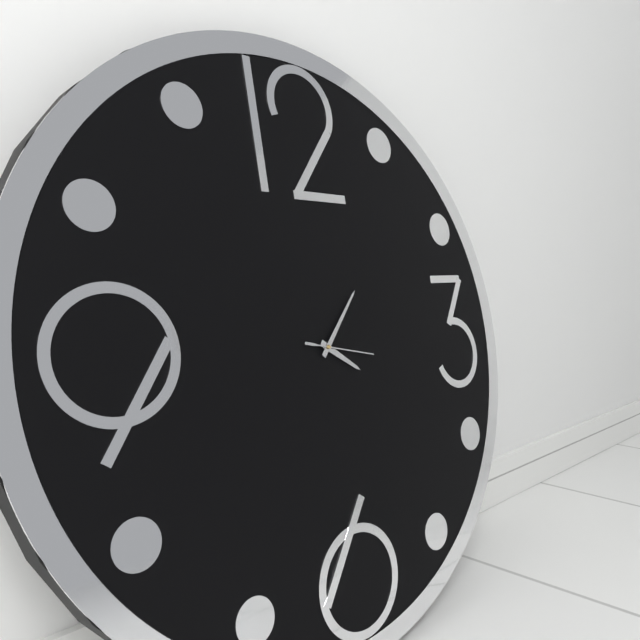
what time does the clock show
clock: 4:07:17
